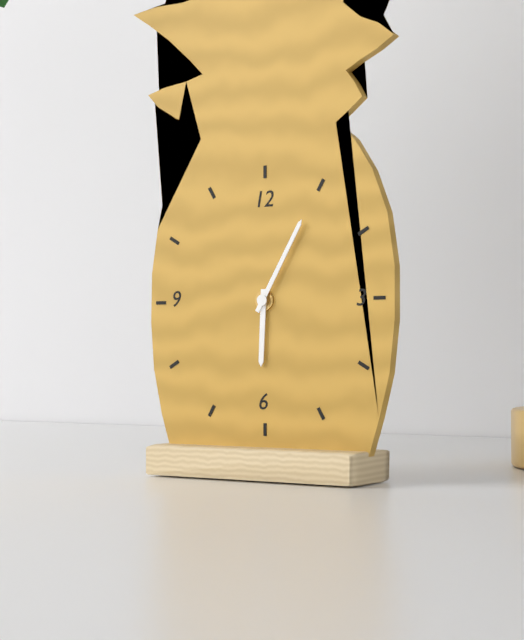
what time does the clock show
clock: 6:05
